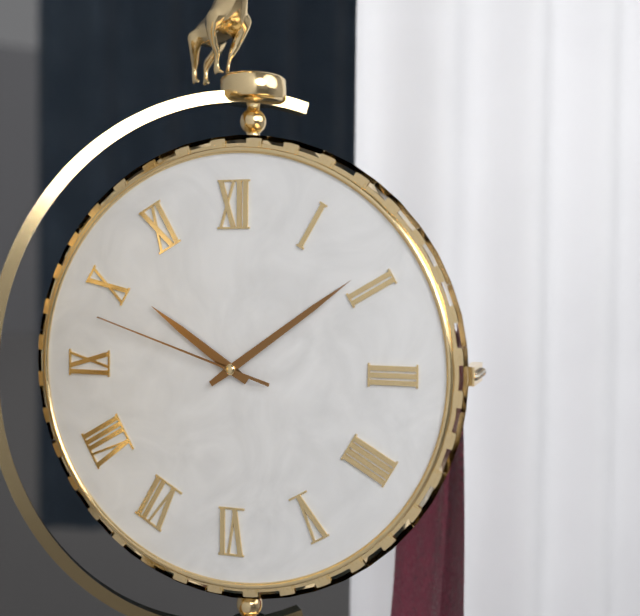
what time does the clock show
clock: 10:09:48
